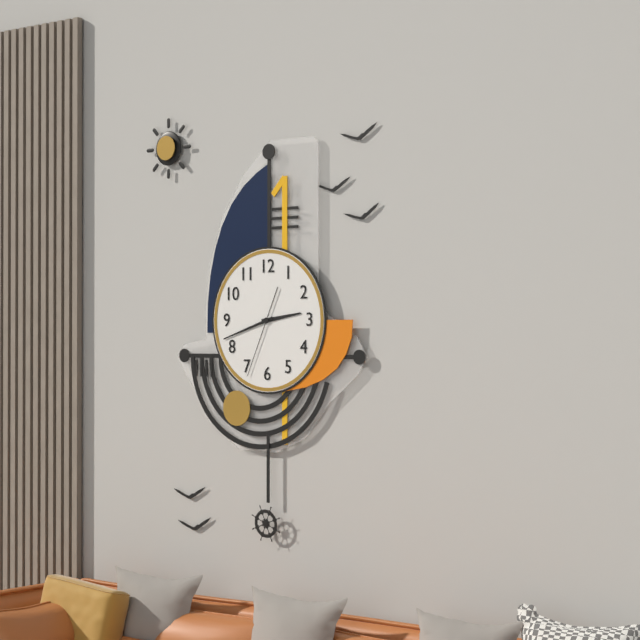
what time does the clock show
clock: 2:42:34
